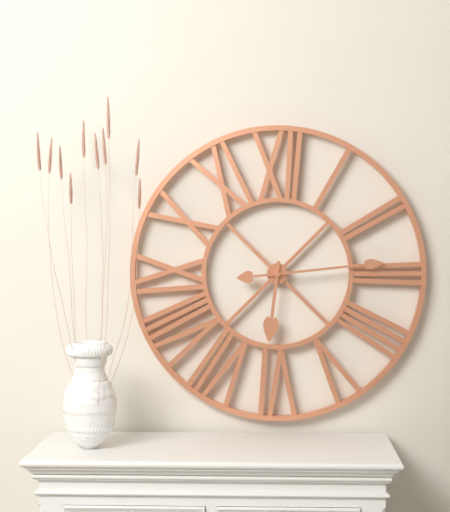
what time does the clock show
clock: 6:14
